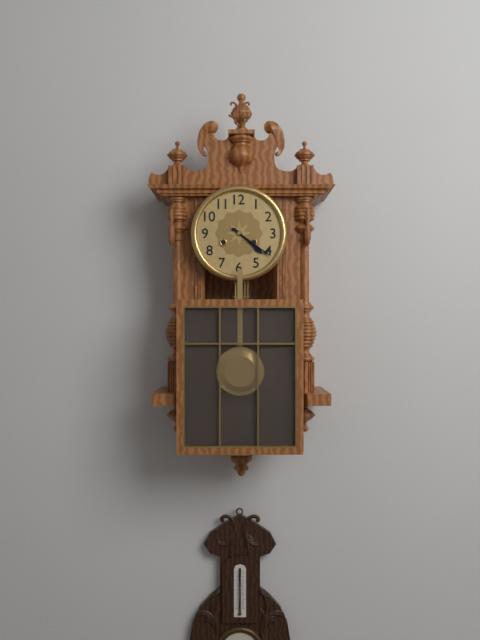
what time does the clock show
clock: 4:21
